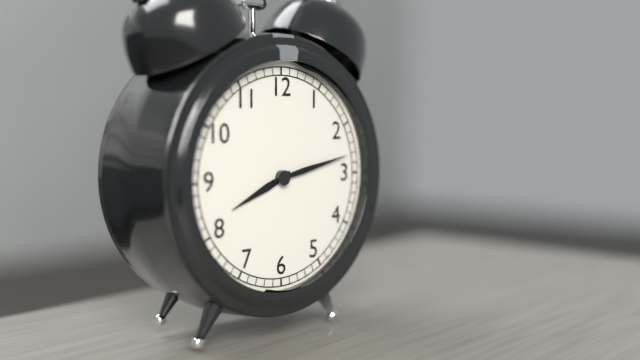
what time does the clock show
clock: 8:13
